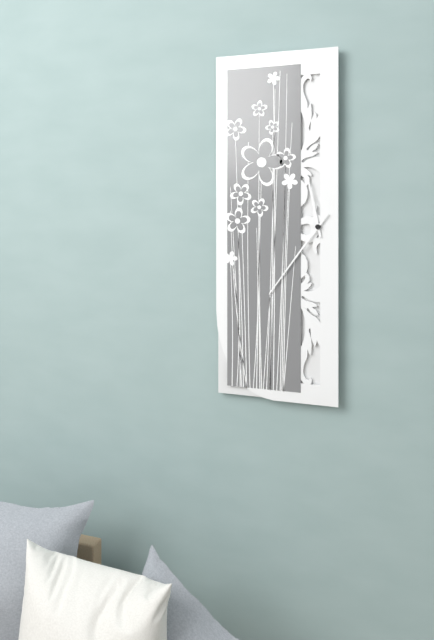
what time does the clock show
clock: 11:36
